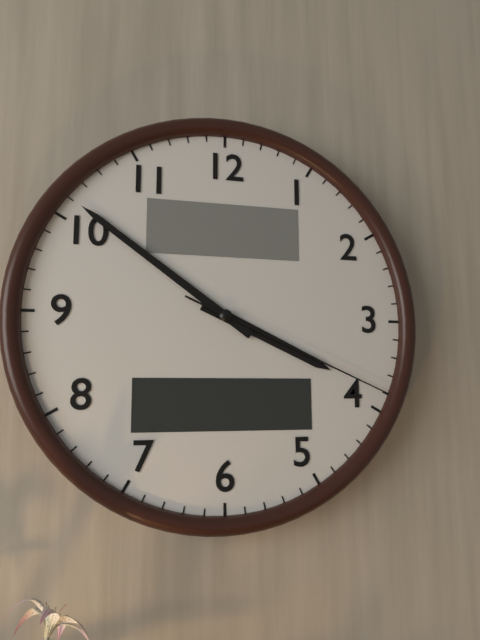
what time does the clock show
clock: 3:51:19
